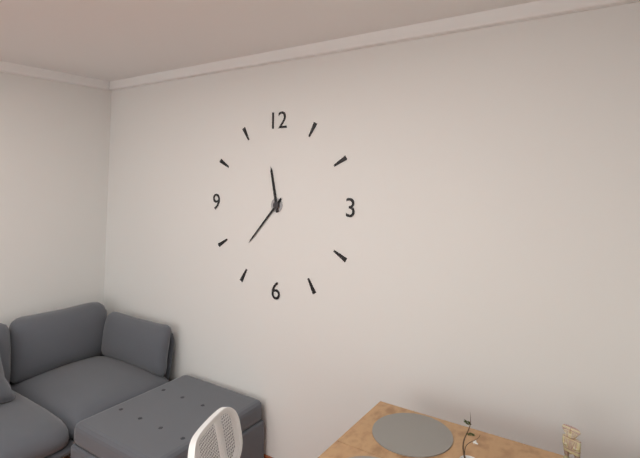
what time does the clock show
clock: 11:37
